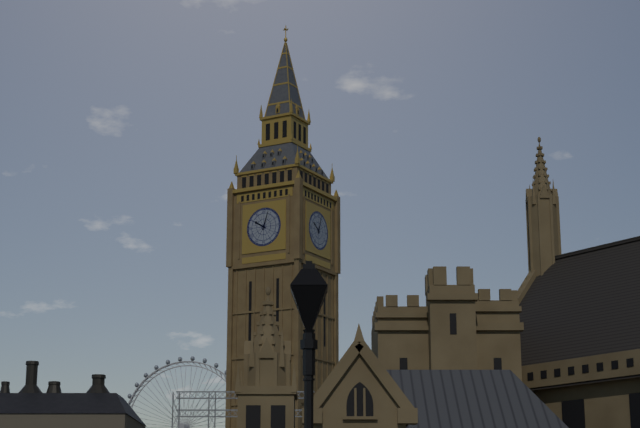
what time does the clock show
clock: 10:03
